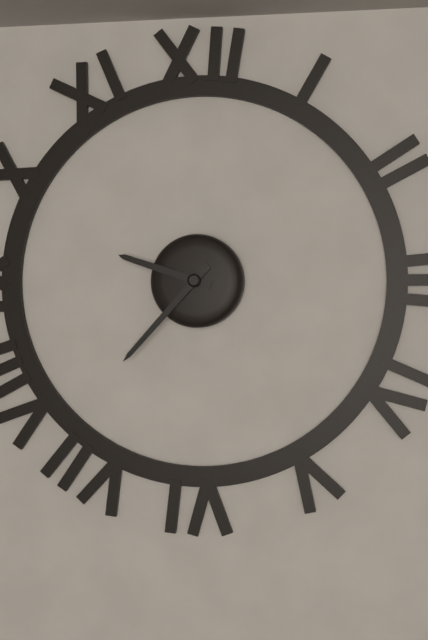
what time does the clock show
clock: 9:37
